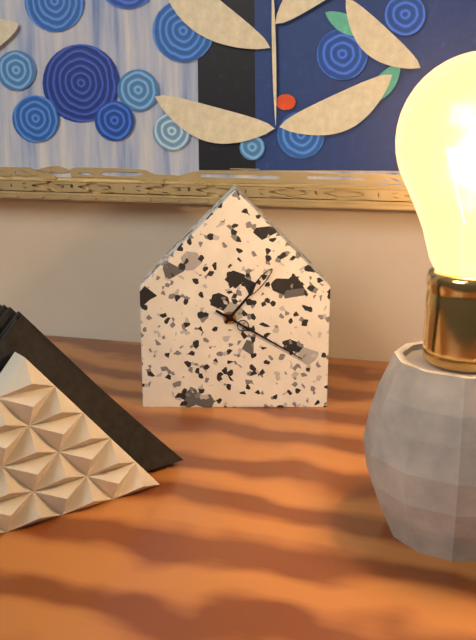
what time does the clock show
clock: 1:20
